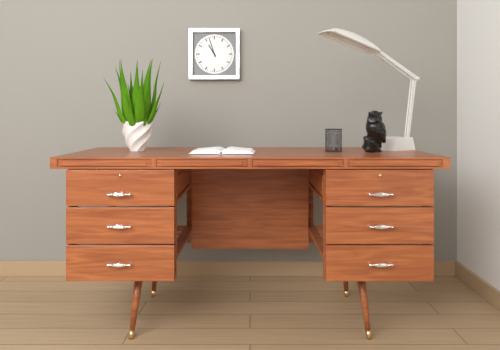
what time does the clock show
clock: 10:57
